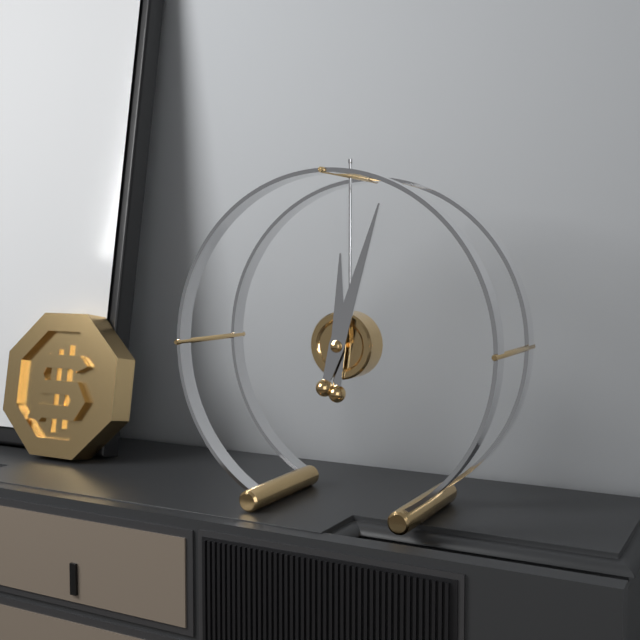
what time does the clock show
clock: 12:03
